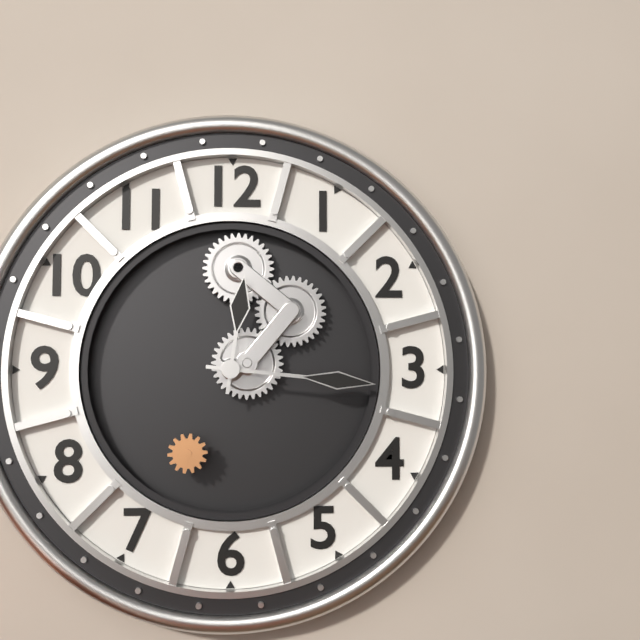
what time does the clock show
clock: 12:16
